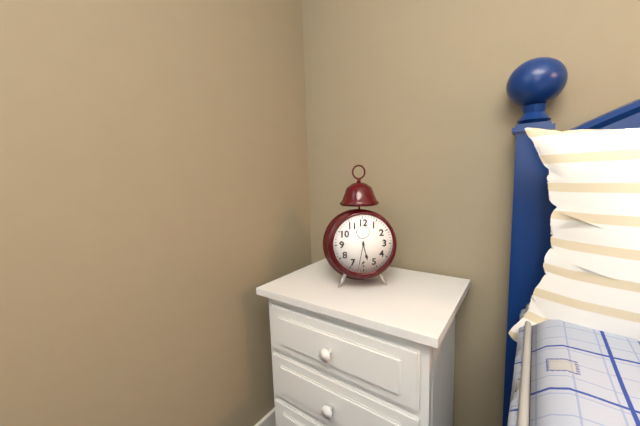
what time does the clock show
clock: 5:32
